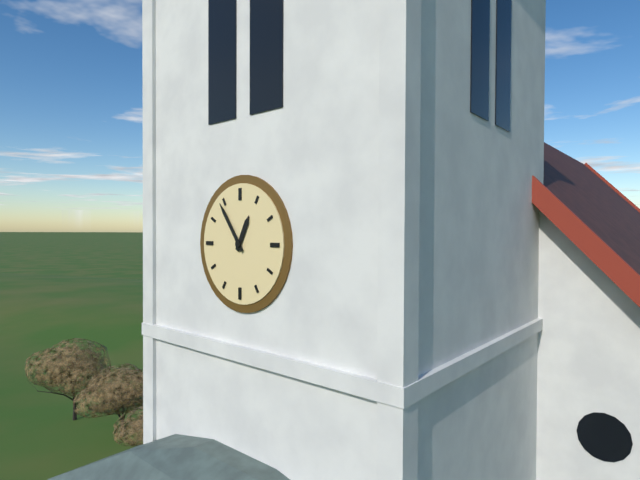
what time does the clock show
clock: 12:54
